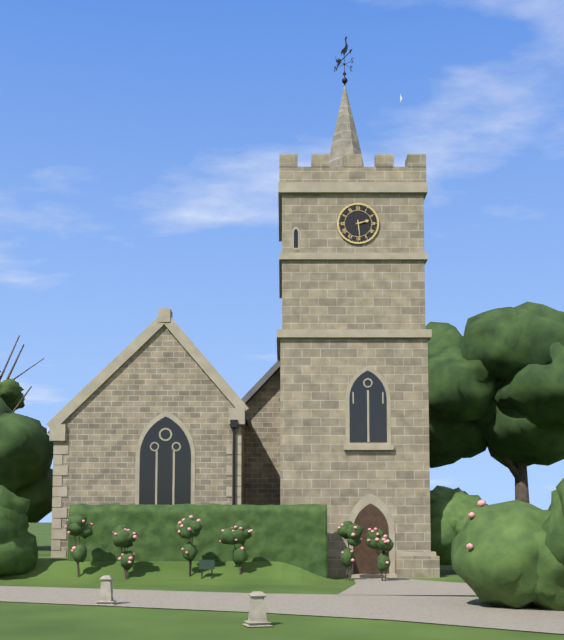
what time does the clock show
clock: 2:29
